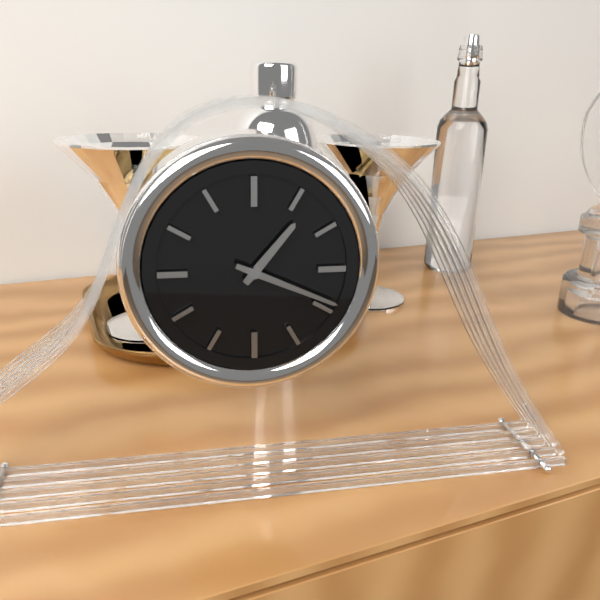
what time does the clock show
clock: 1:19
